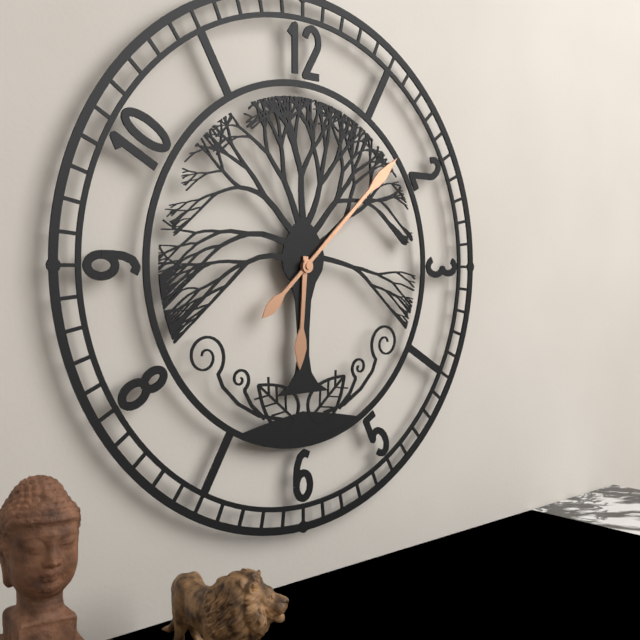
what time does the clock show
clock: 6:08
